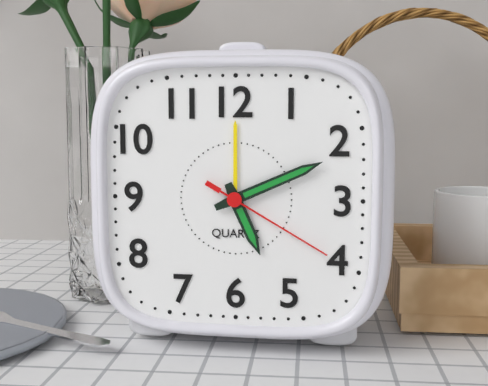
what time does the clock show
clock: 5:11:20
